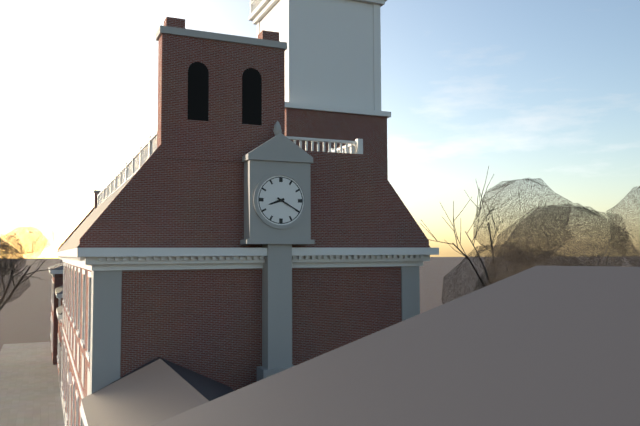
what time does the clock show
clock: 8:20
